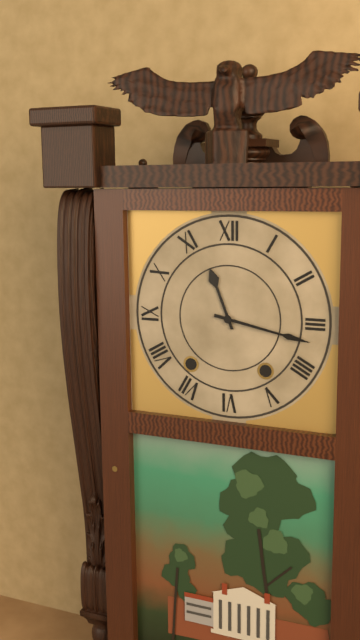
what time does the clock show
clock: 11:17
